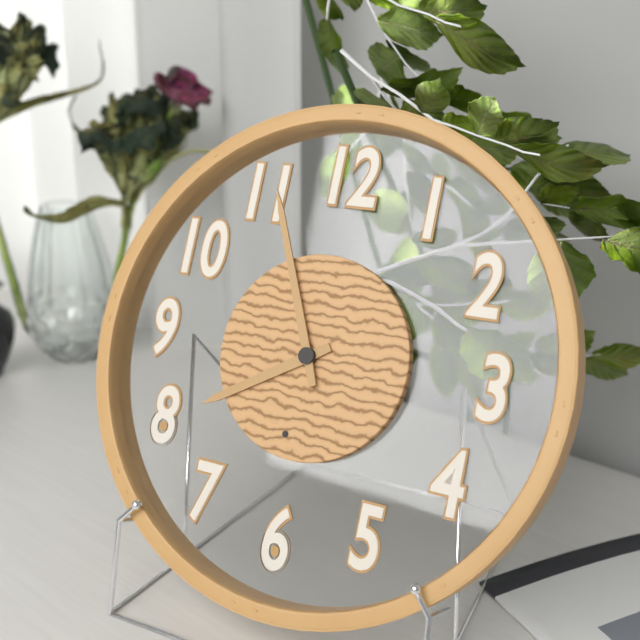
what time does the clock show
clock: 7:56
